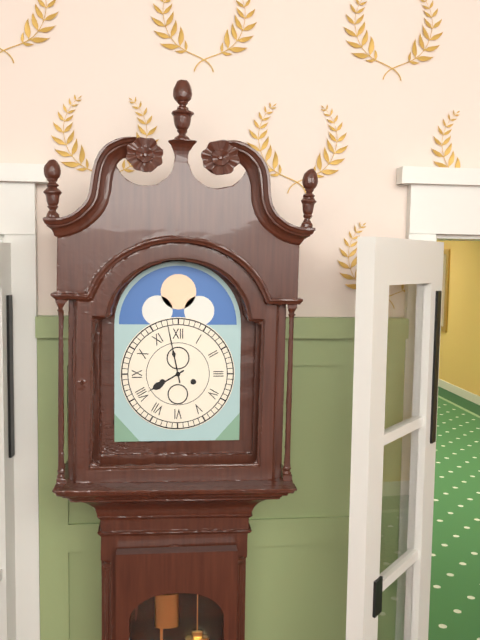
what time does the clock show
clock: 7:58
